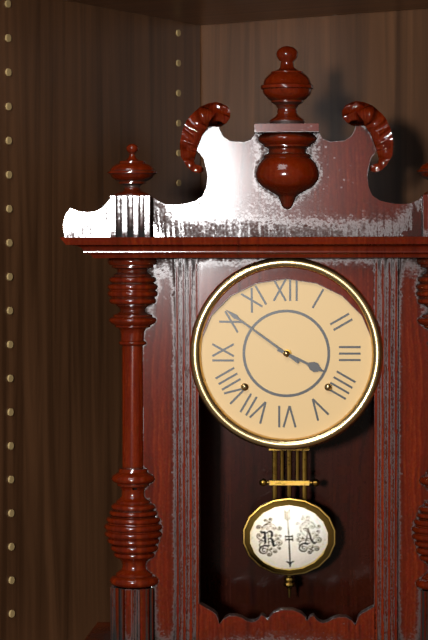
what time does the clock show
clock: 3:51
